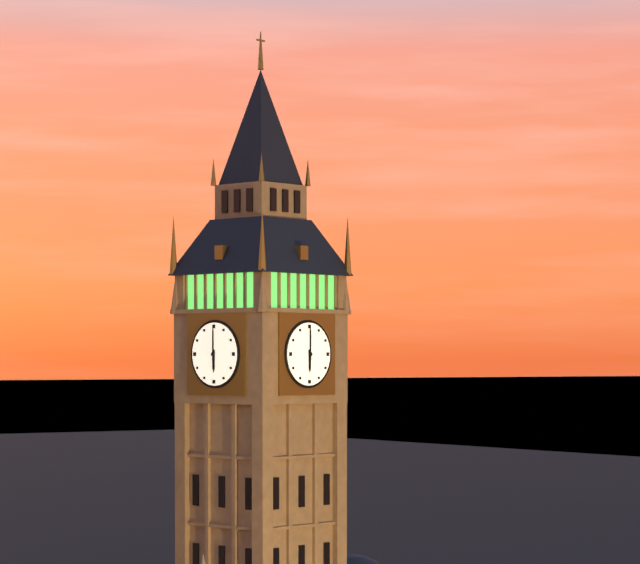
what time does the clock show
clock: 6:00
